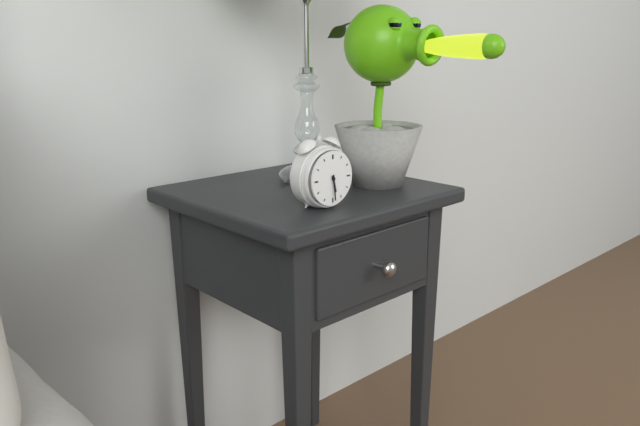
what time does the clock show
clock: 5:29
